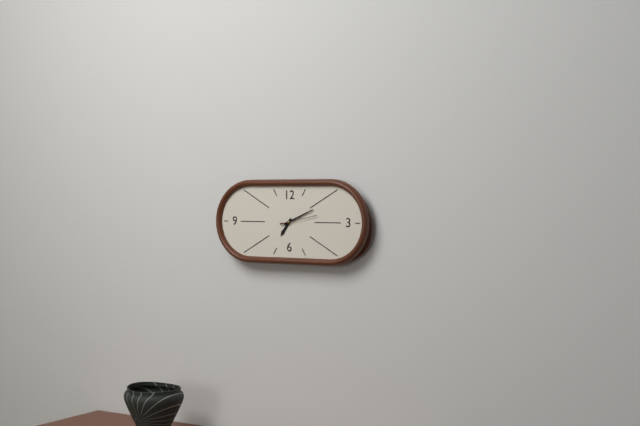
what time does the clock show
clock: 7:11
